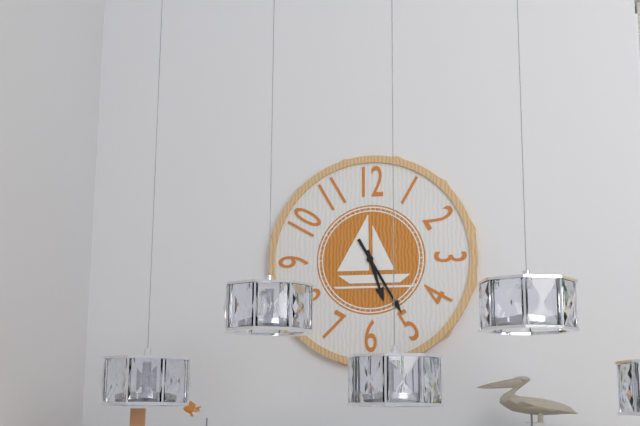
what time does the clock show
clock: 5:25
